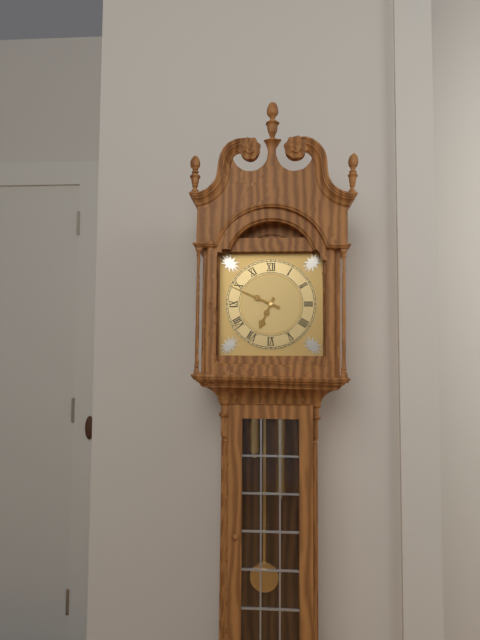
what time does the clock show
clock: 6:49
